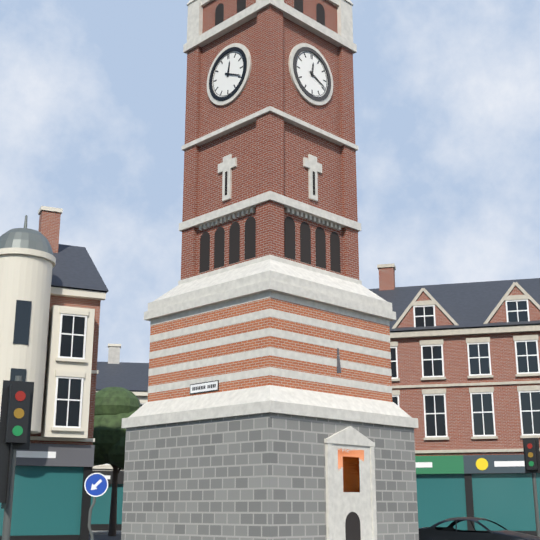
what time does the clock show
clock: 12:19
